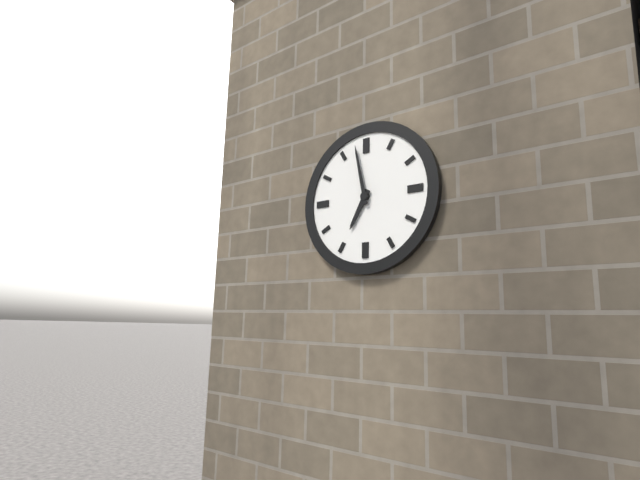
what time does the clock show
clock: 6:58
